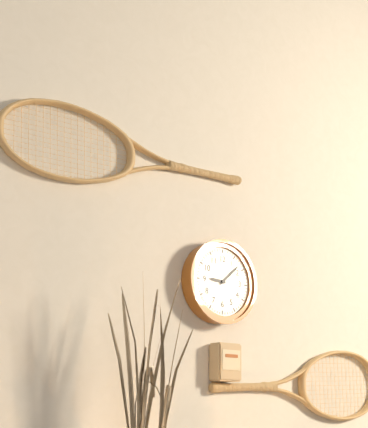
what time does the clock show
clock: 9:08
